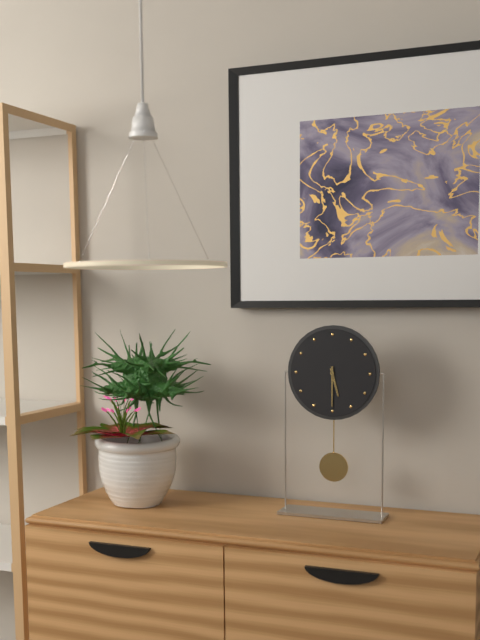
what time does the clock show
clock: 5:30
